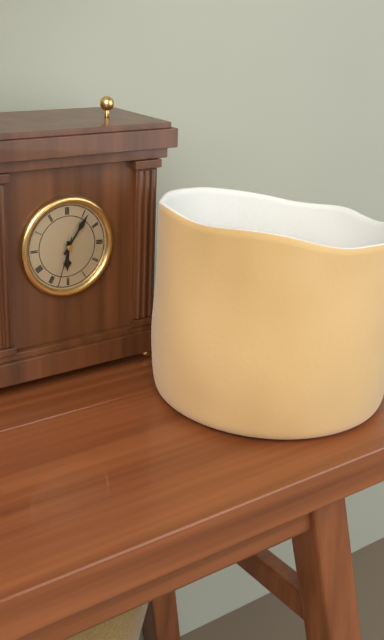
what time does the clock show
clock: 6:06:33
